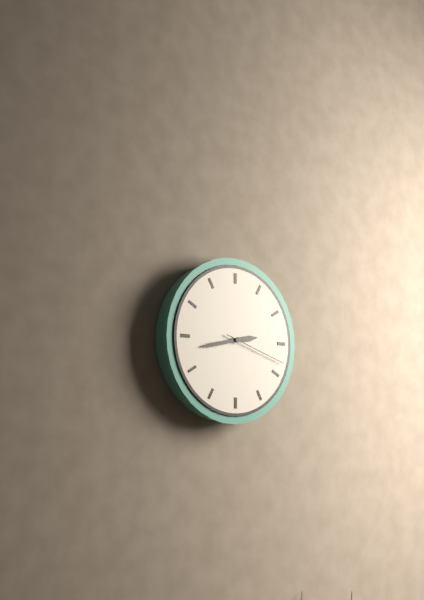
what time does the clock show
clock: 2:43:18
